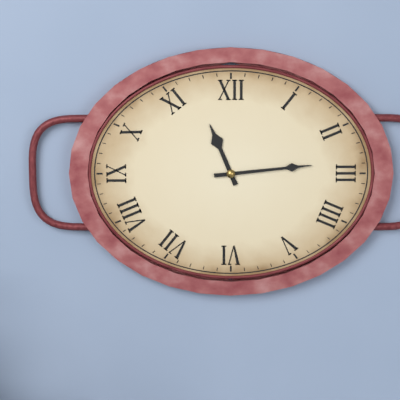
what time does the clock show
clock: 11:14
